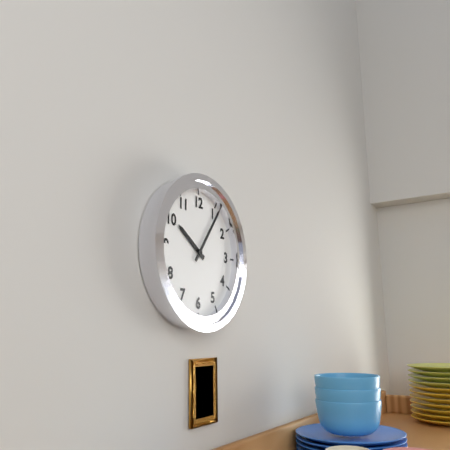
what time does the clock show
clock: 10:06
